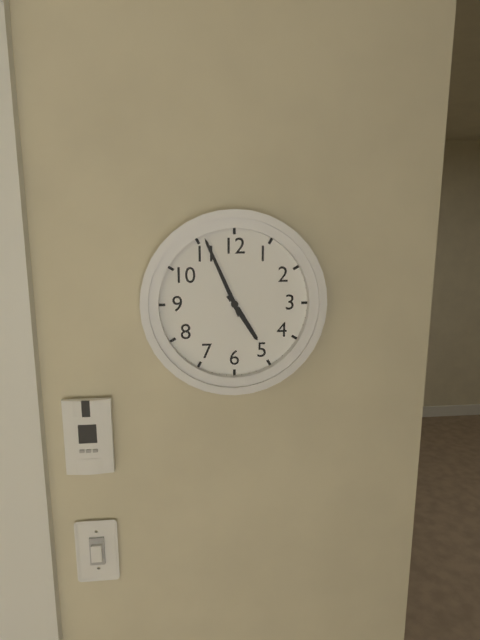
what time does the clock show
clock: 4:56
